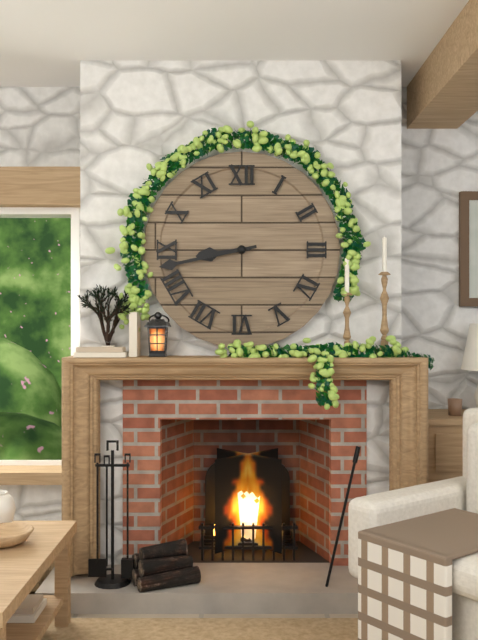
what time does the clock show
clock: 8:43
